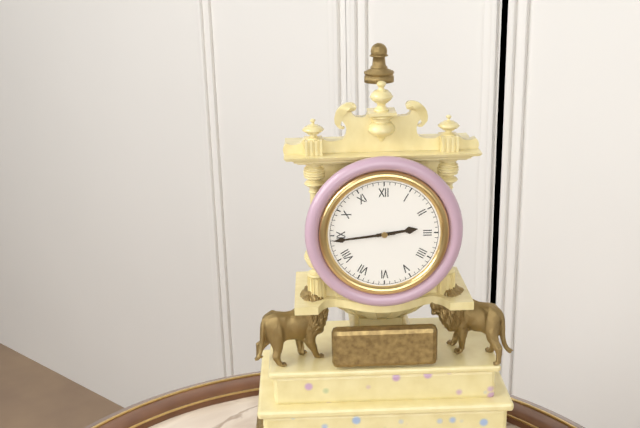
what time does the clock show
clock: 2:44
